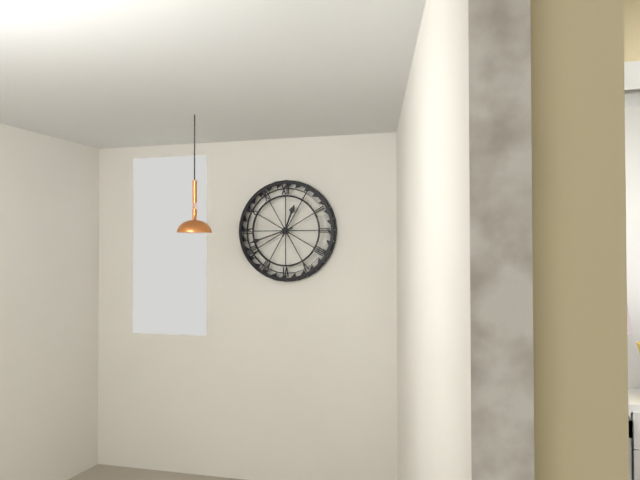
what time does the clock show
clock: 12:42
